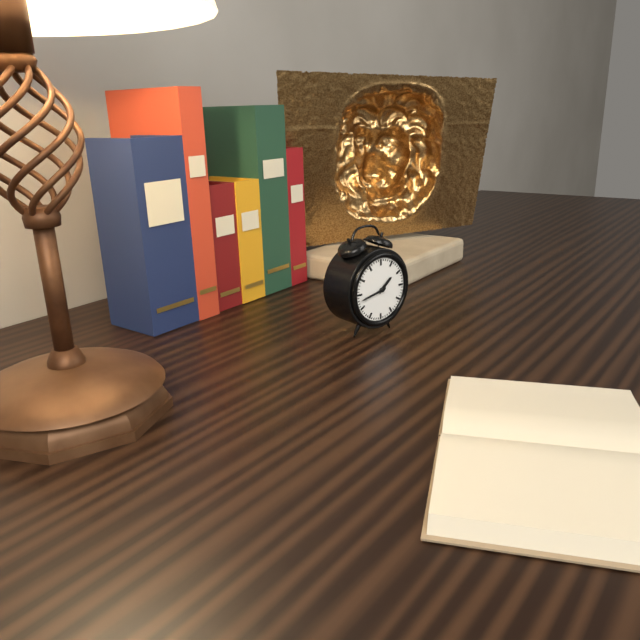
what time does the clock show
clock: 1:43
